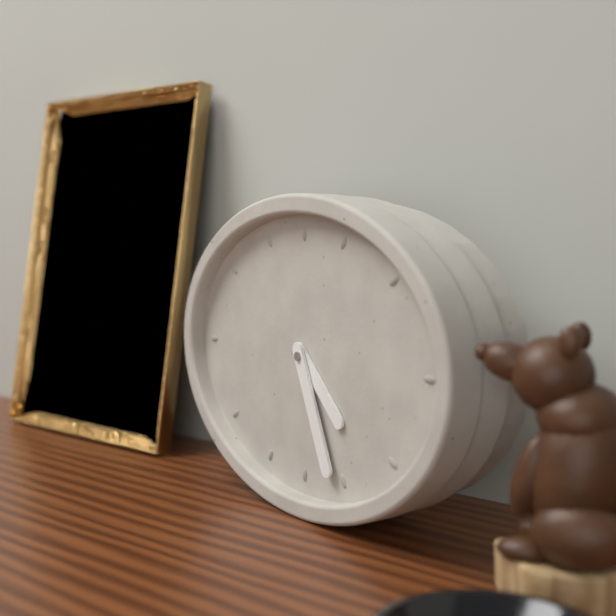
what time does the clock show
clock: 4:26
